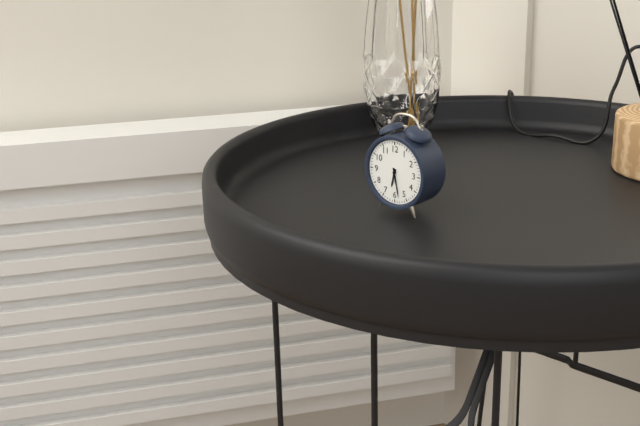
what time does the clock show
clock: 6:28
